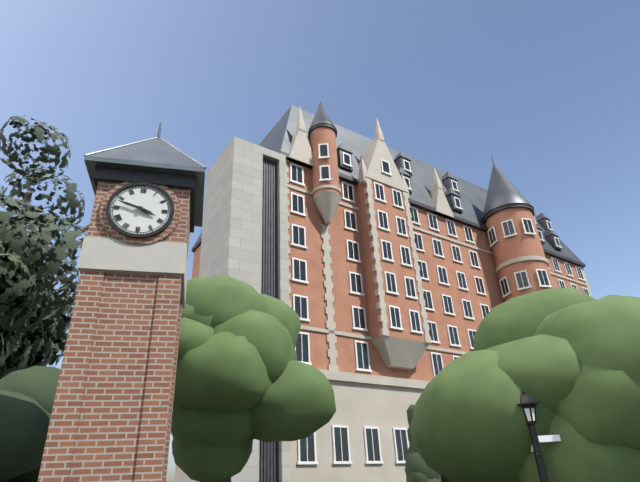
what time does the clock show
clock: 3:48
